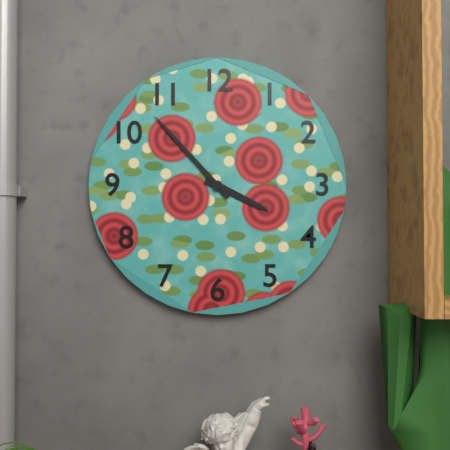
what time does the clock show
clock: 3:53
